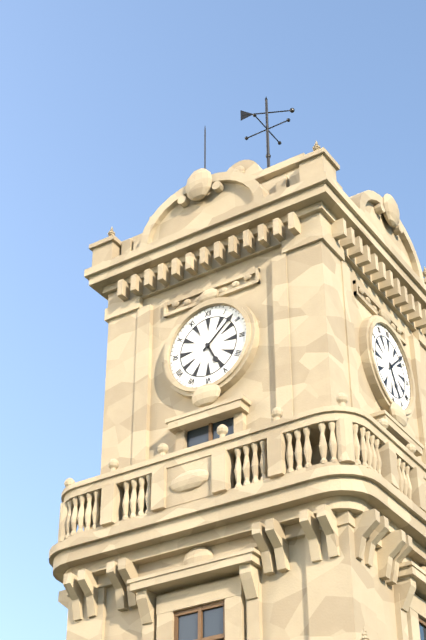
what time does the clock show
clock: 5:08
